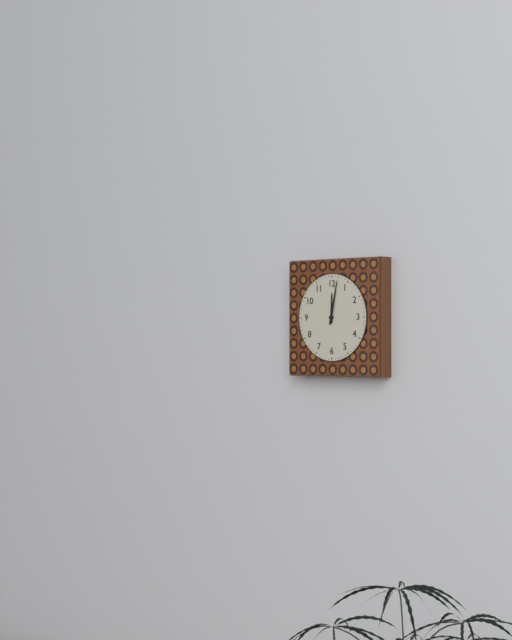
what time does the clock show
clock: 12:02
